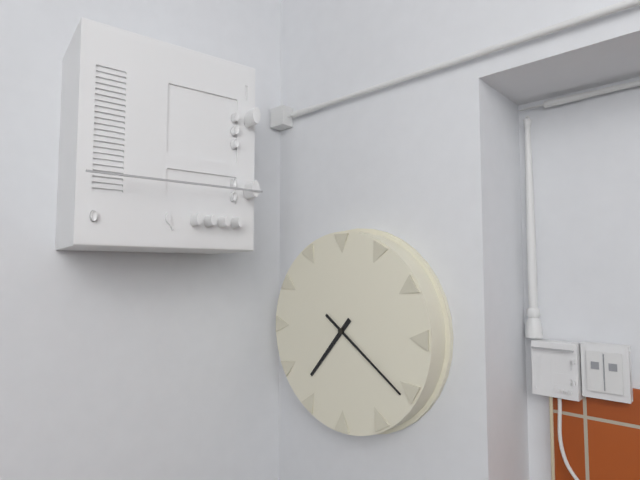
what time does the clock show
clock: 7:21
